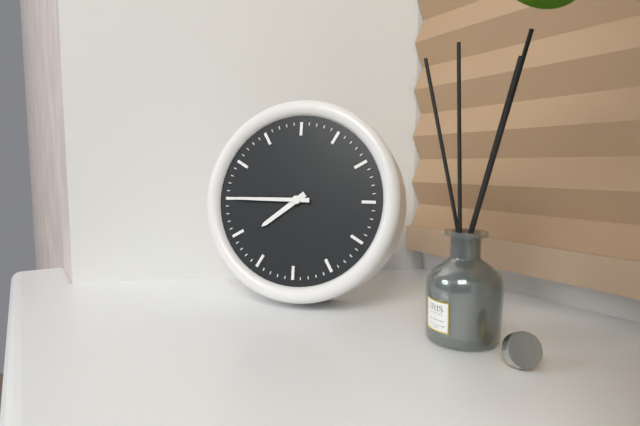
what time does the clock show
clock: 7:45
